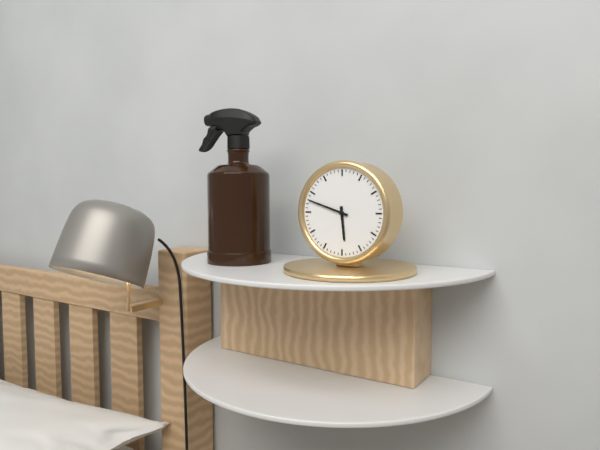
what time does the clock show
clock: 5:48
